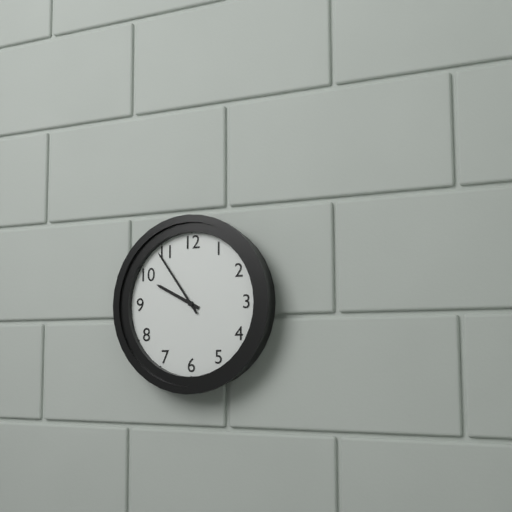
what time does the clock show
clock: 9:54
